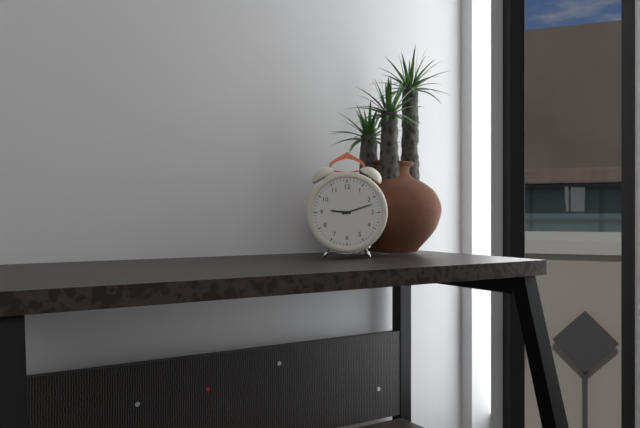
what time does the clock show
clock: 9:12
